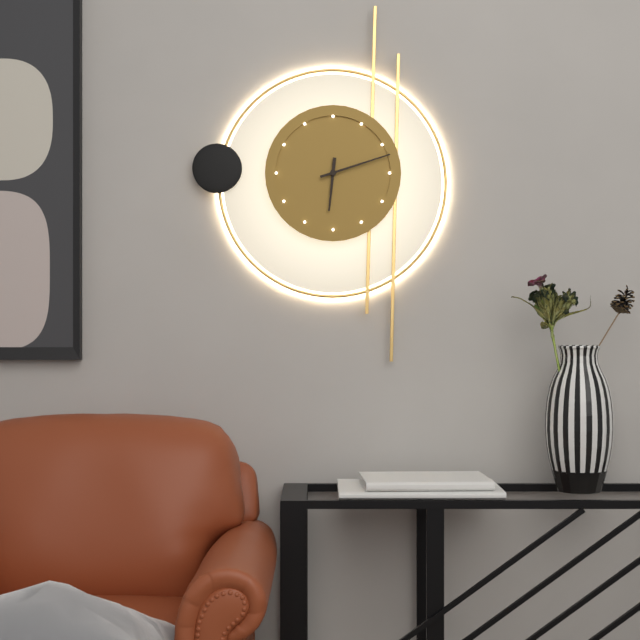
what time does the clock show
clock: 6:12
